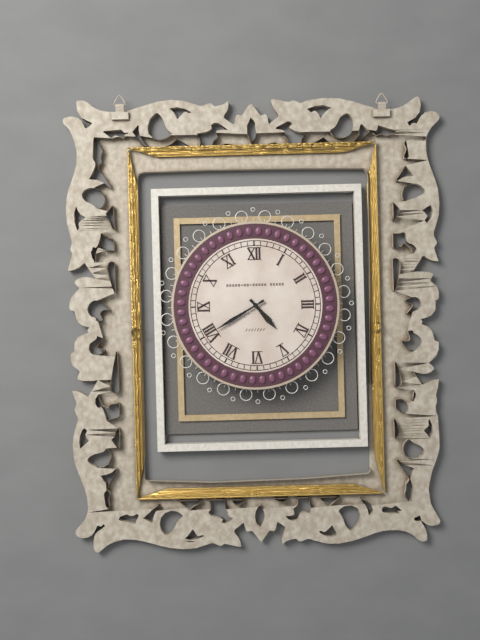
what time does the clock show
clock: 4:40
